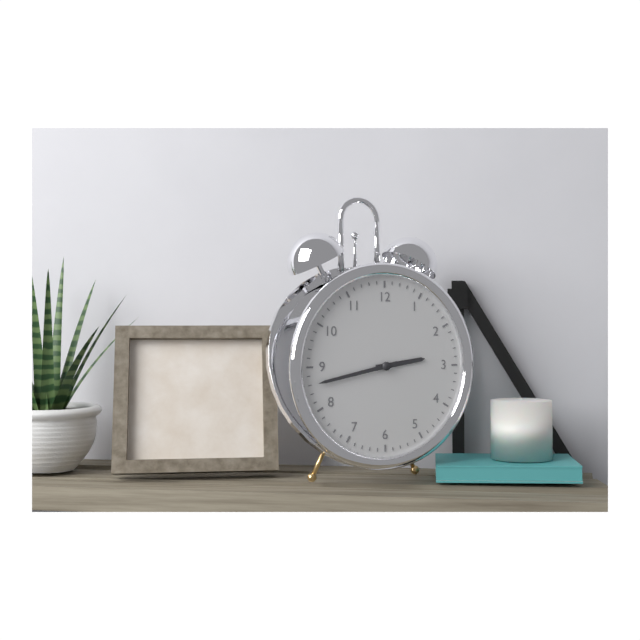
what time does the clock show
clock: 2:43
